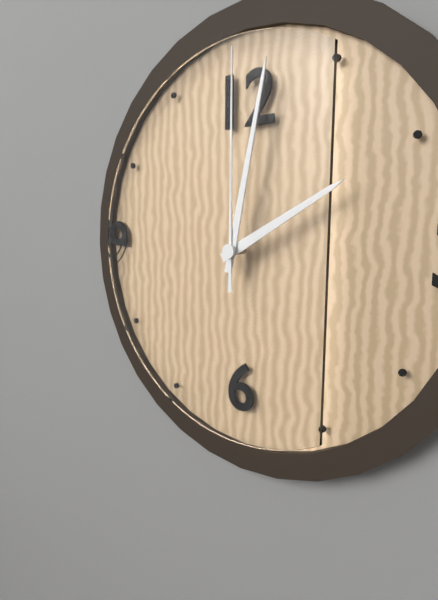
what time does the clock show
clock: 2:02:00
